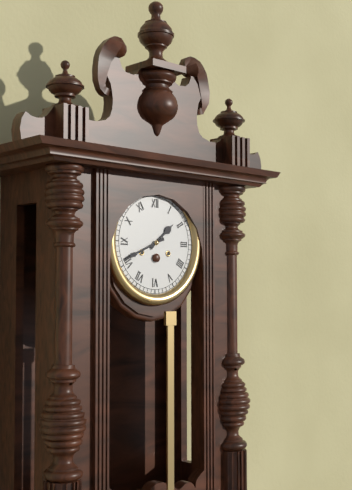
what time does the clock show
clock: 1:41
